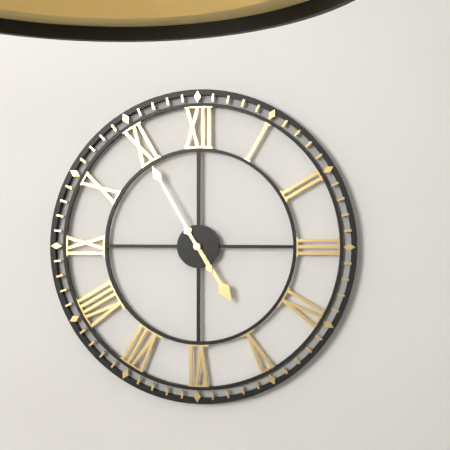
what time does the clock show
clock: 4:55
